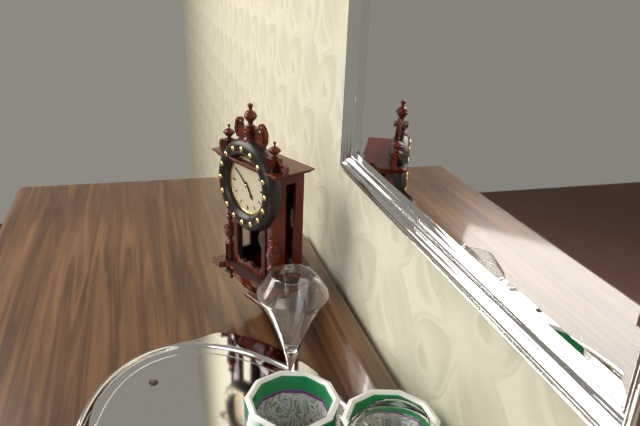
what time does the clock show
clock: 4:51
